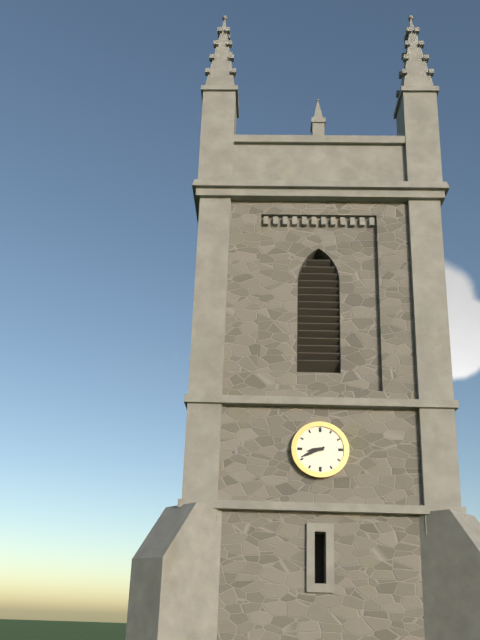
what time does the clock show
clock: 8:41
